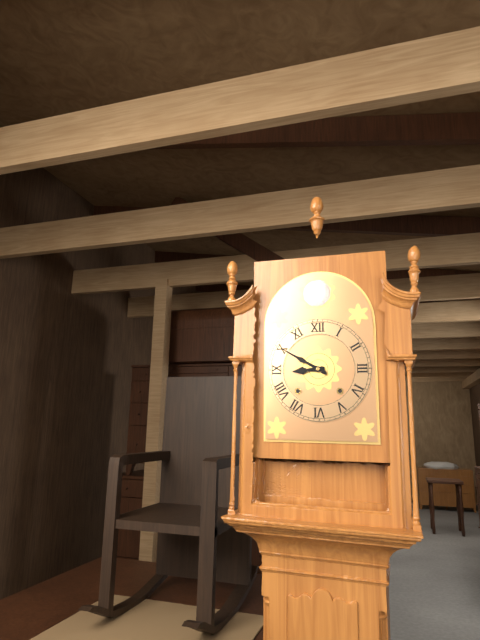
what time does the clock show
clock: 8:50
